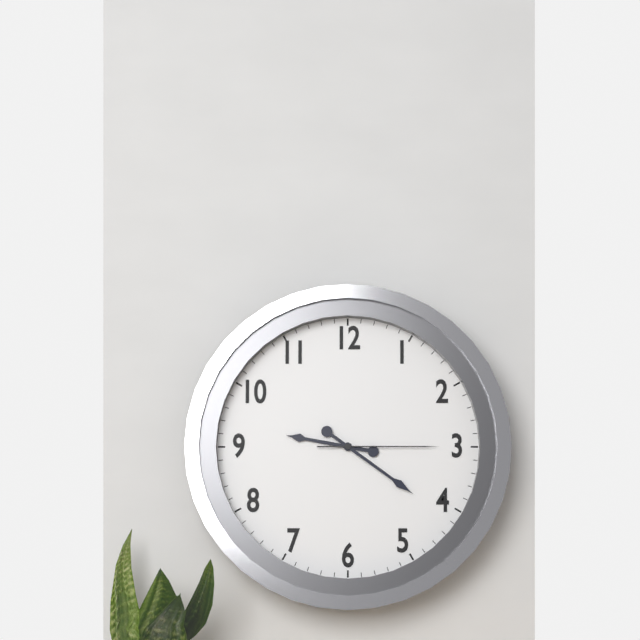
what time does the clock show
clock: 9:21:15
